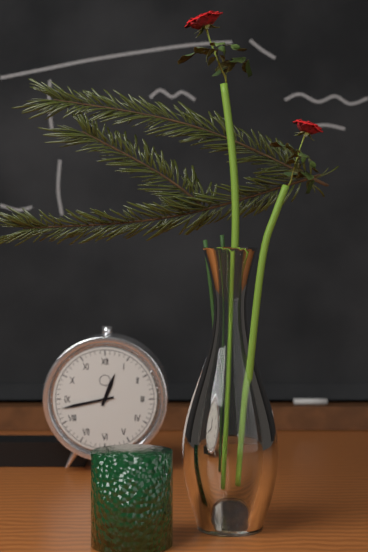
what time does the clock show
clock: 12:43
